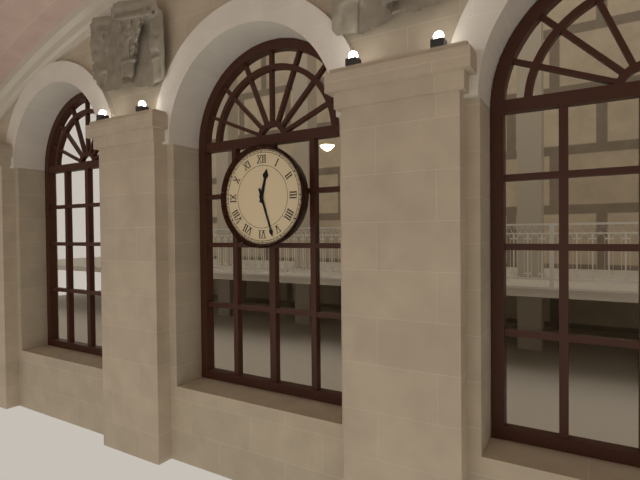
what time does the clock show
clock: 12:27
